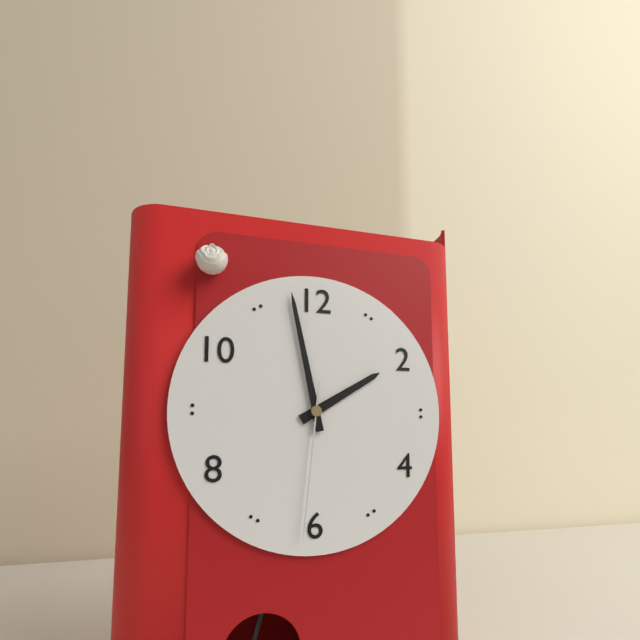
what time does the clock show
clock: 1:58:31
